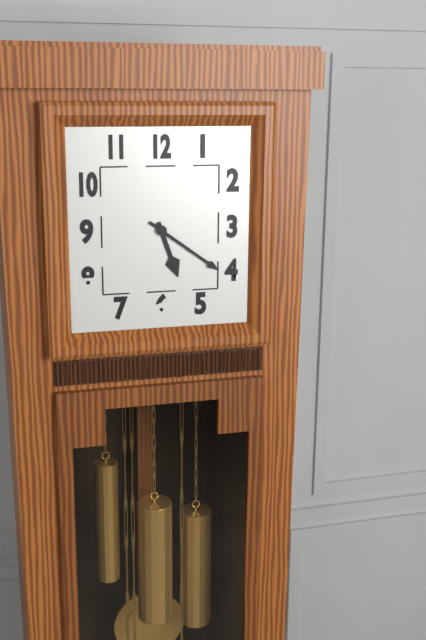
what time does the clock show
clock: 5:21
